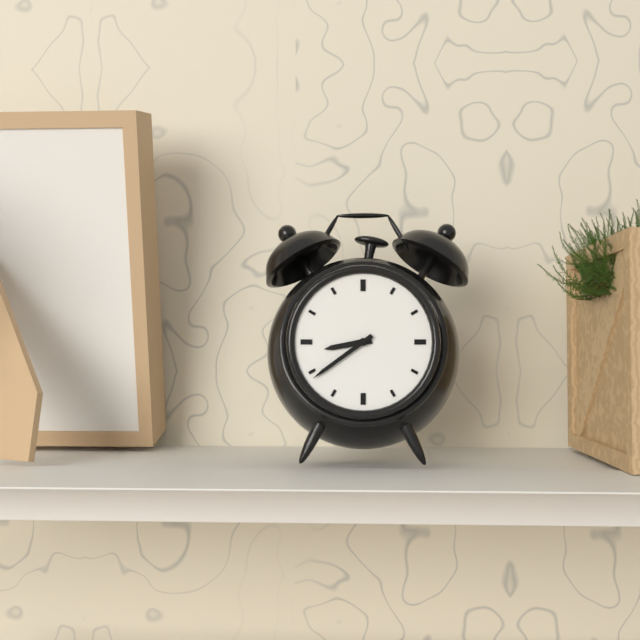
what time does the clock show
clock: 8:39
